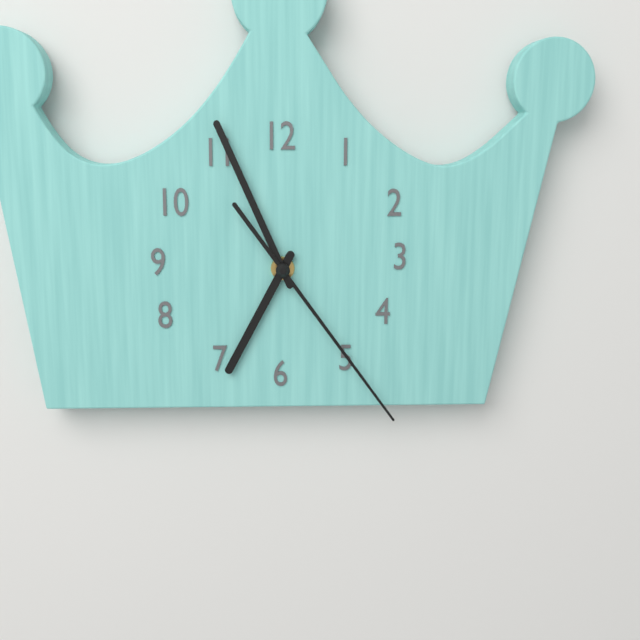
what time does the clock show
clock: 6:56:24
